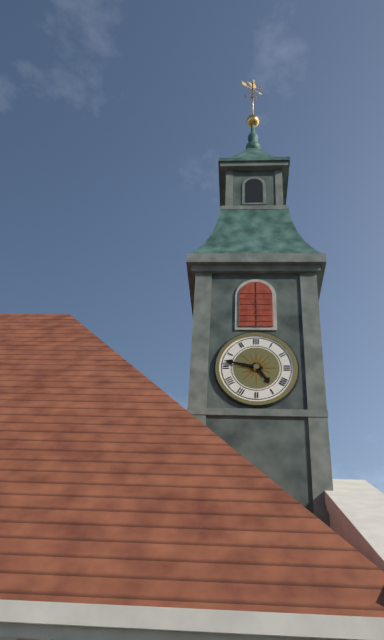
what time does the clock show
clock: 4:47
